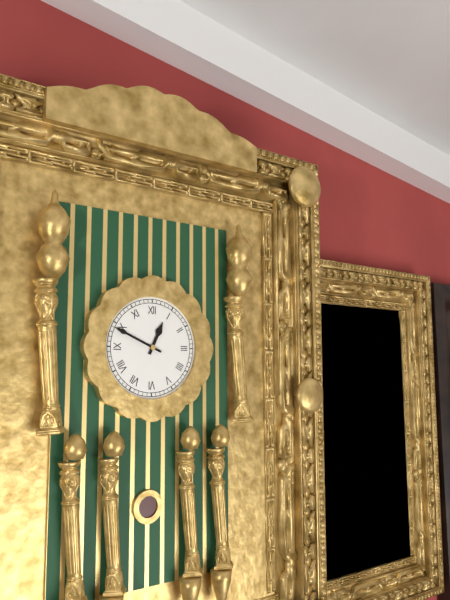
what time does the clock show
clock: 12:49
